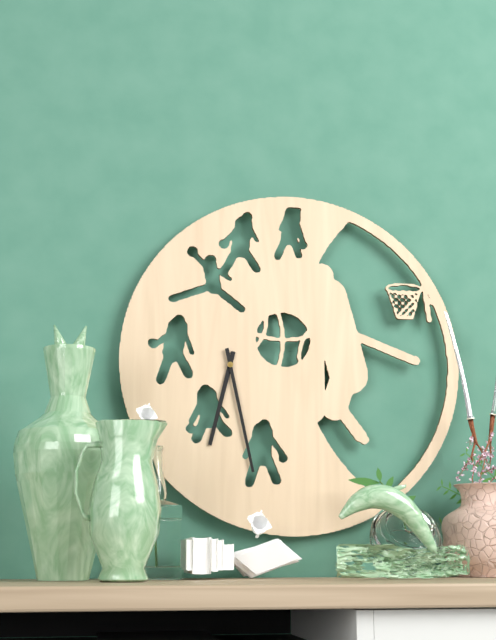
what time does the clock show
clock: 6:28
